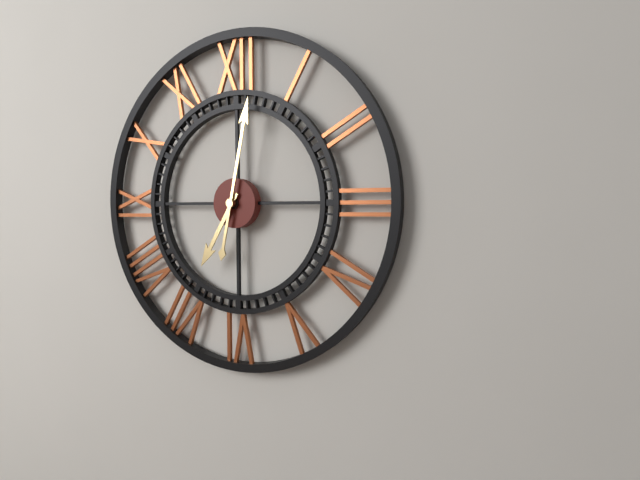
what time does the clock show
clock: 7:02
